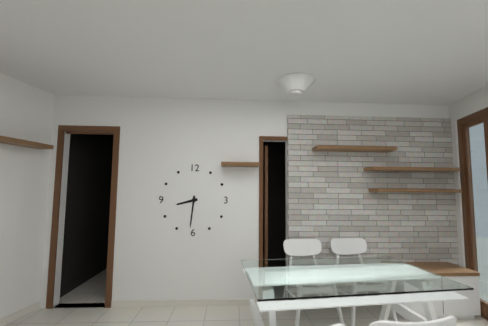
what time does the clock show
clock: 8:31
